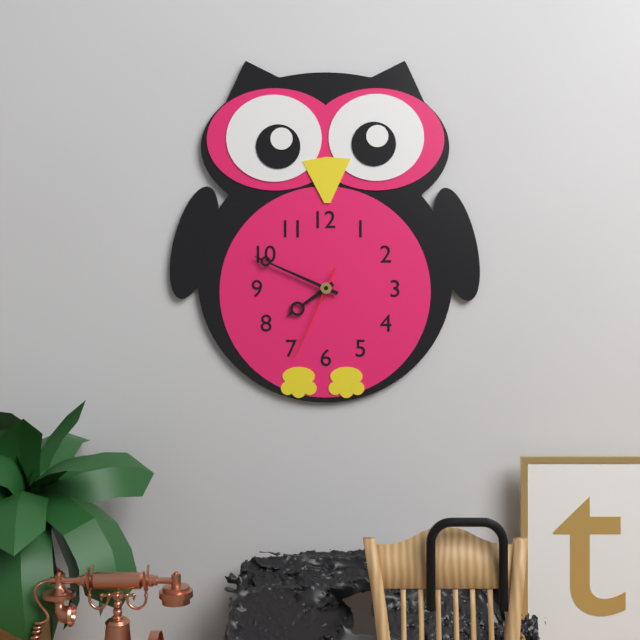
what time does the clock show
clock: 7:49:34
